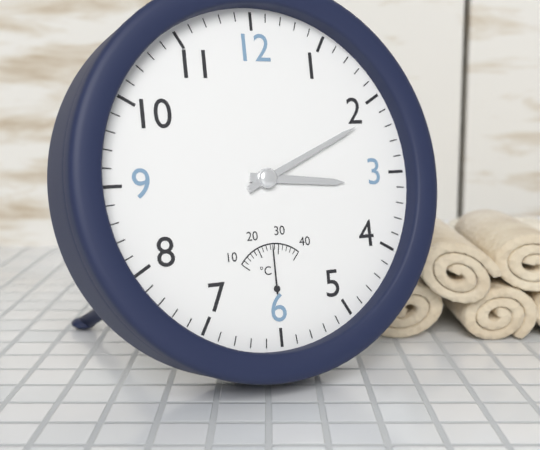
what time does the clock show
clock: 3:11
